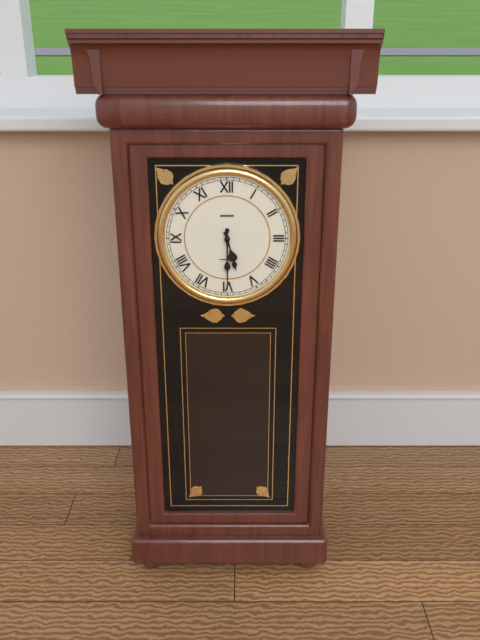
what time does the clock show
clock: 5:30
